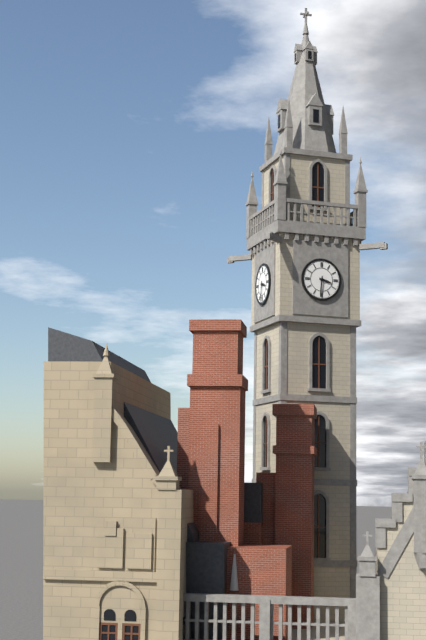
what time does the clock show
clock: 3:31
